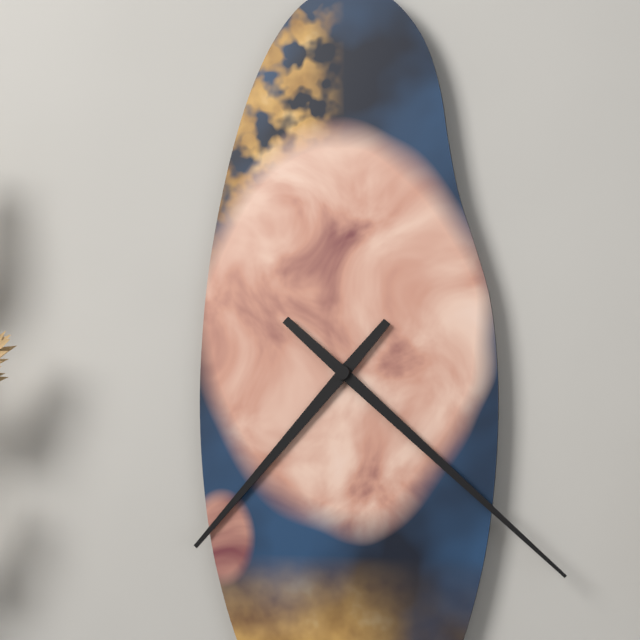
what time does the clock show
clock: 7:22
